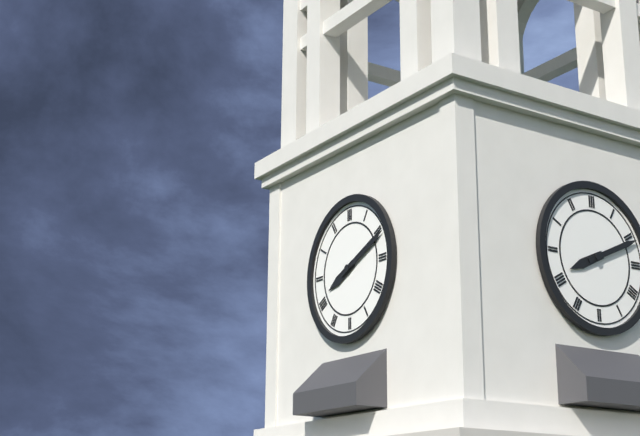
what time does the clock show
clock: 8:11
